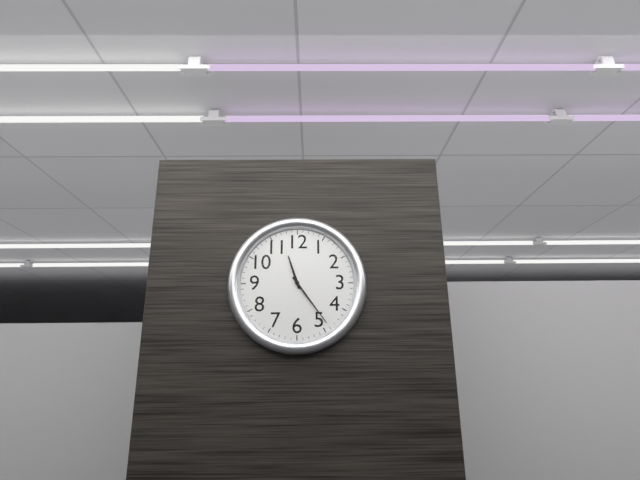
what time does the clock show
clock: 11:24
